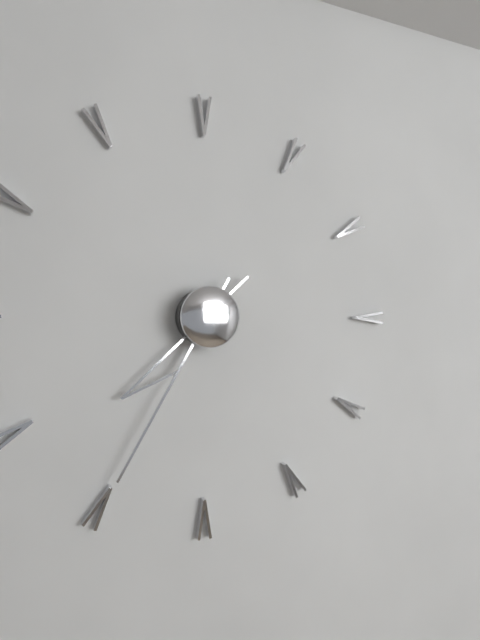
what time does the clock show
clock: 7:35
